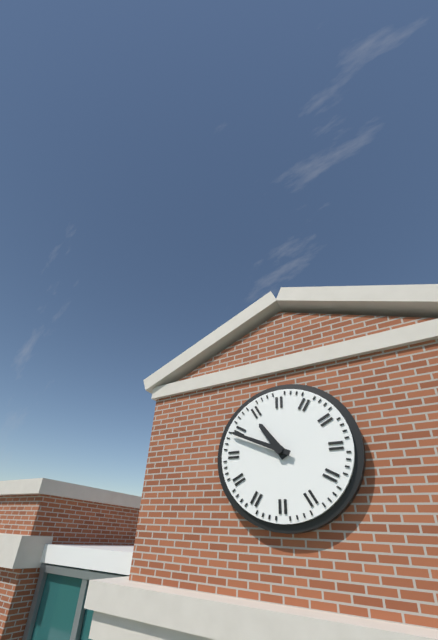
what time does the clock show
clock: 10:49
